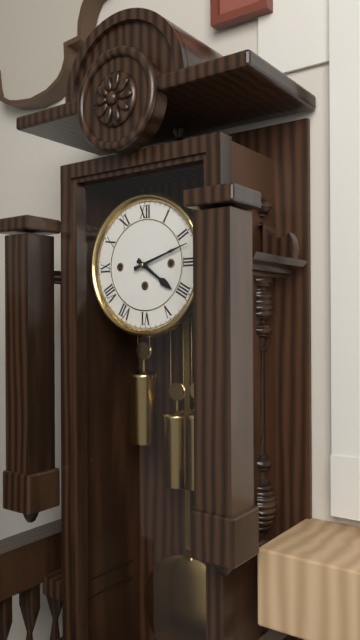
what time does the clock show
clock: 4:12
